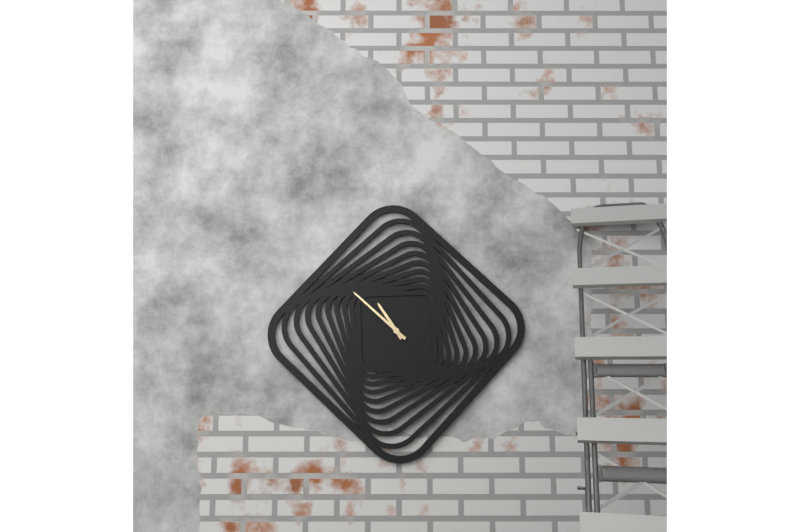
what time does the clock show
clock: 10:52
